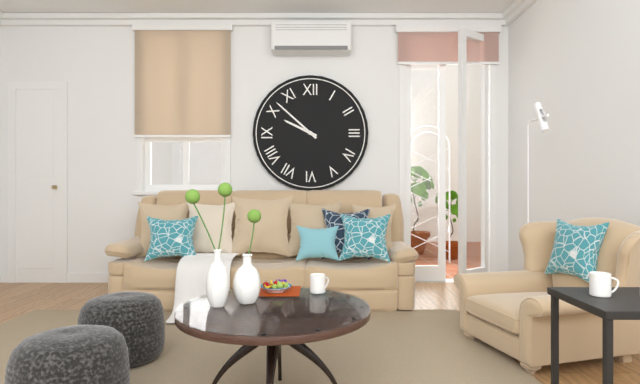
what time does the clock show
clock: 9:52
